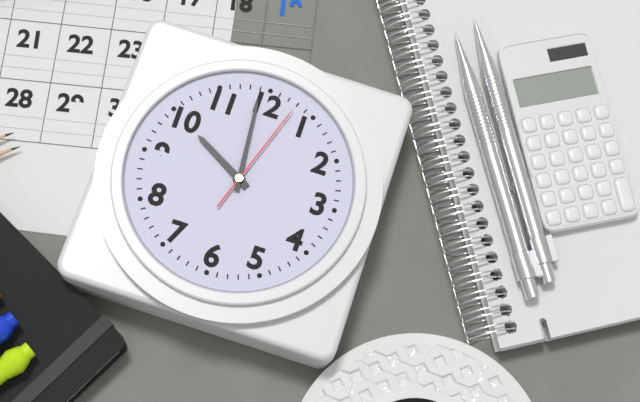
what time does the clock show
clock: 9:59:03
